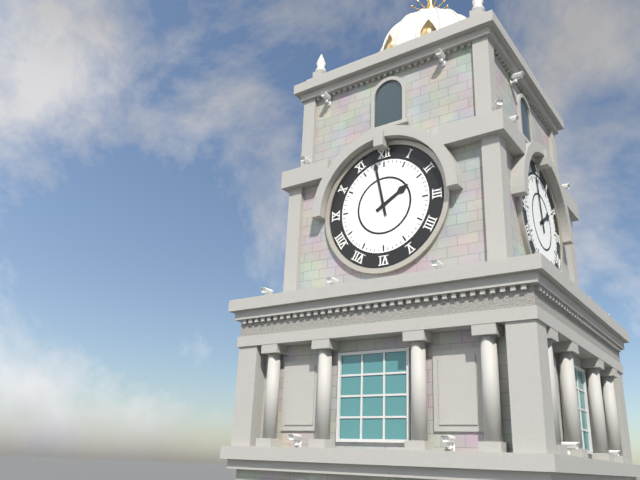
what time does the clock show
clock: 1:58
